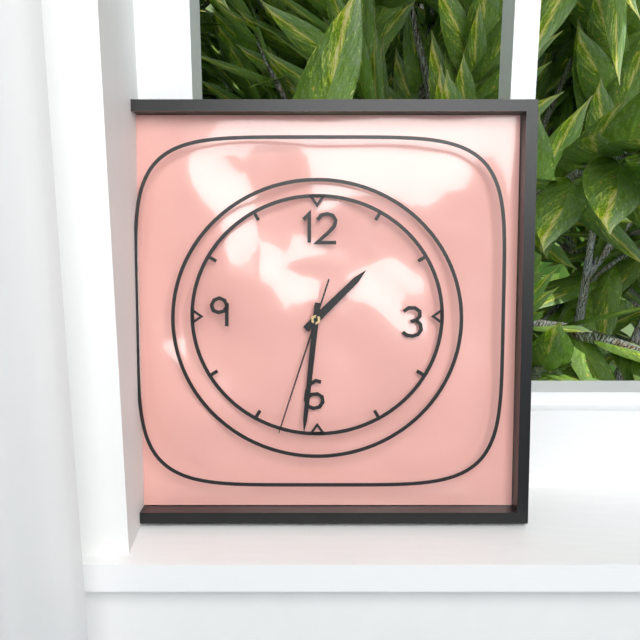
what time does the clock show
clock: 1:31:33
